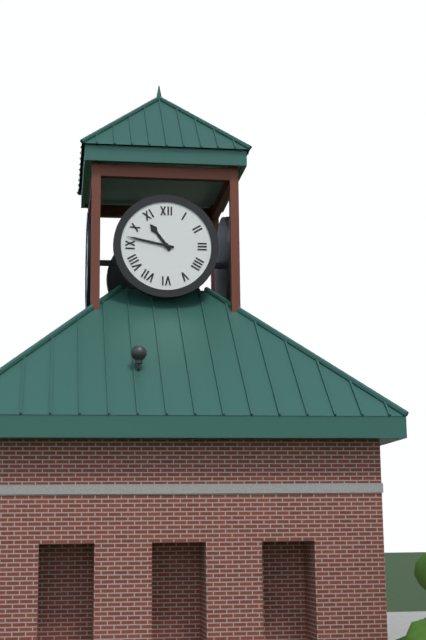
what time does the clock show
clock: 10:47
